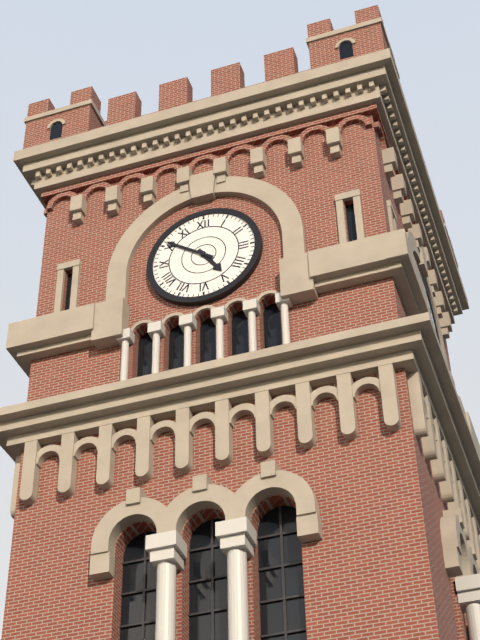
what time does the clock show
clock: 4:51
